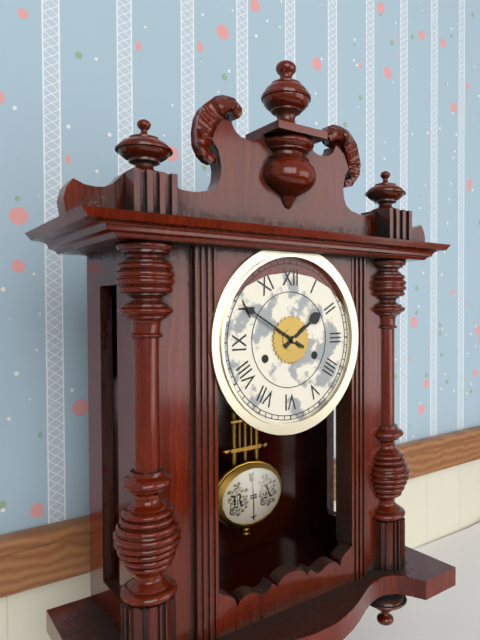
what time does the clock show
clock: 1:50
